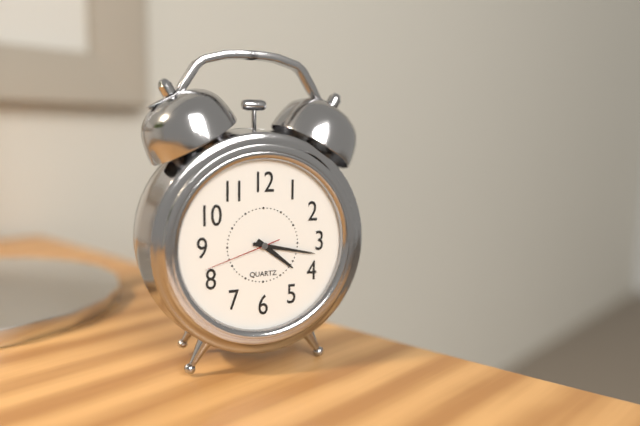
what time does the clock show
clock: 4:17:42
